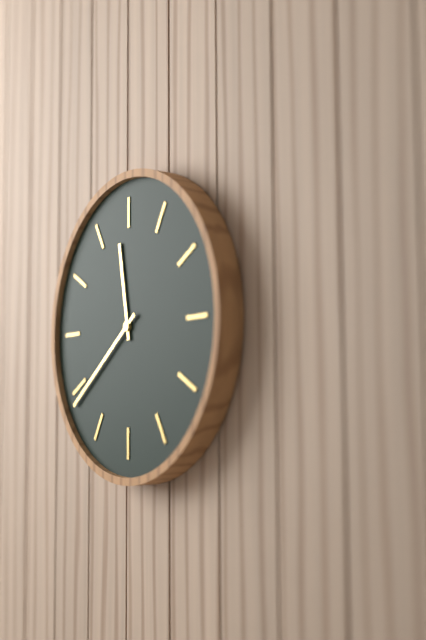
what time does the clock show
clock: 11:39
